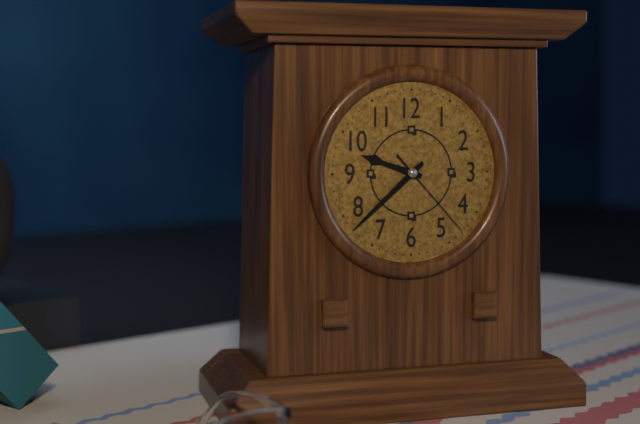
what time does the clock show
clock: 9:38:23
